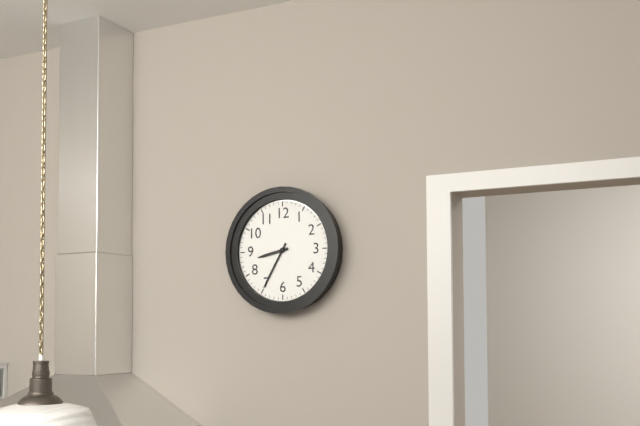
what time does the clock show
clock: 8:35
